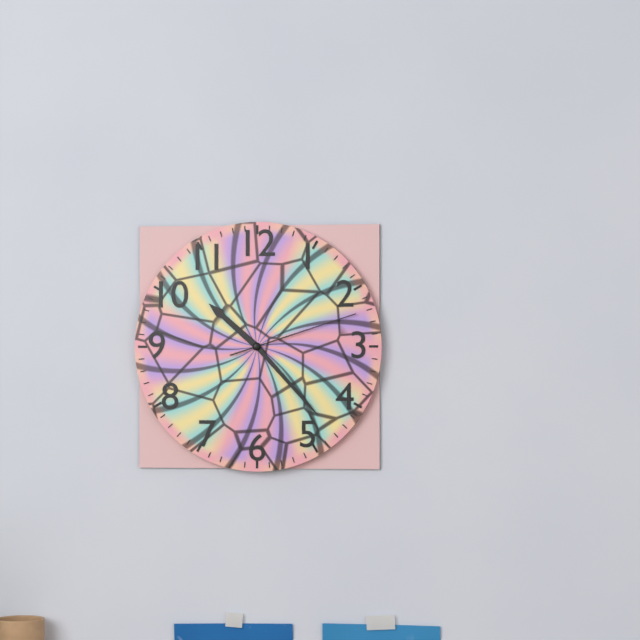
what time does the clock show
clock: 10:23:12
